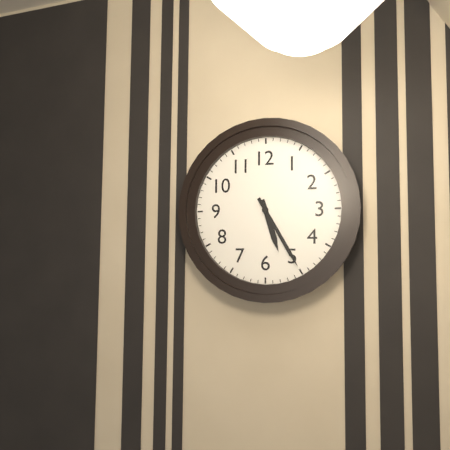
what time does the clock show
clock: 5:25
